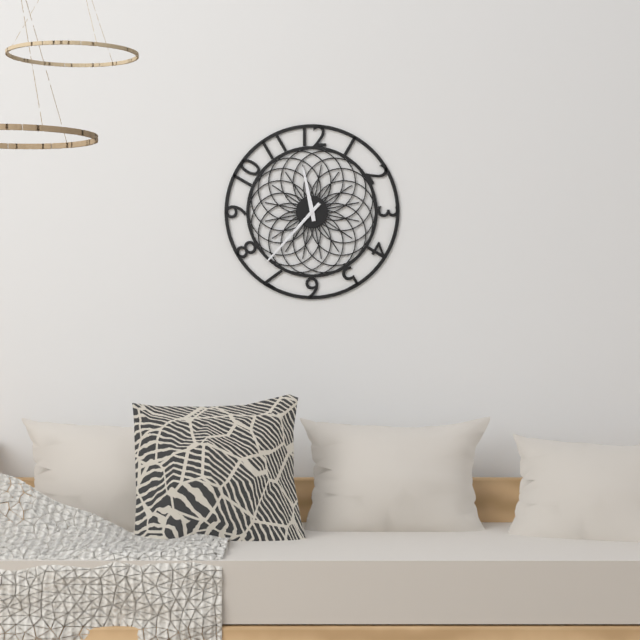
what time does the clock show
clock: 11:37
